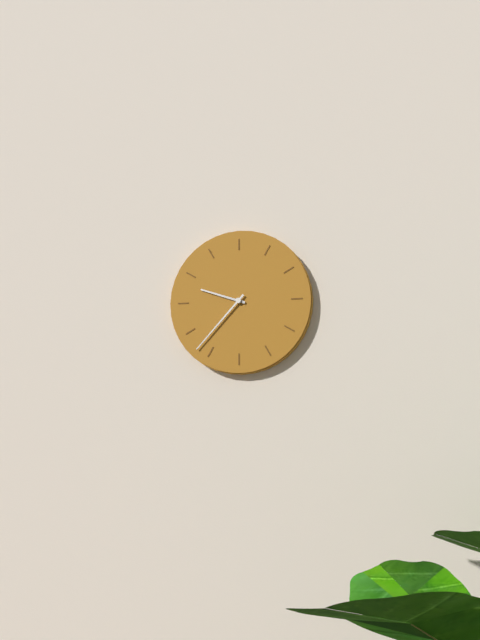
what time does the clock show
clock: 9:37
